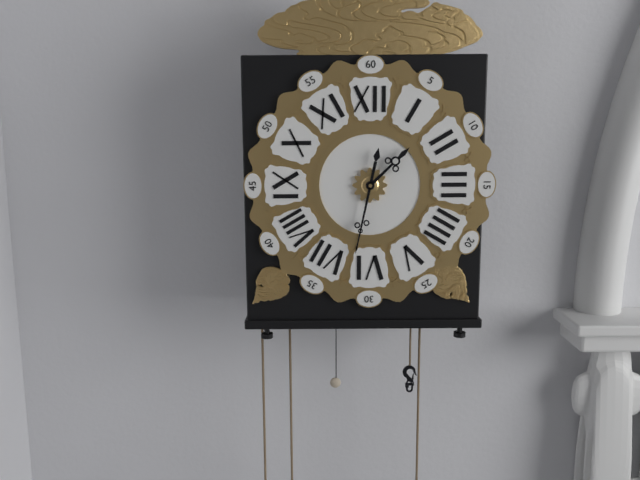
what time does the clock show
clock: 1:32
